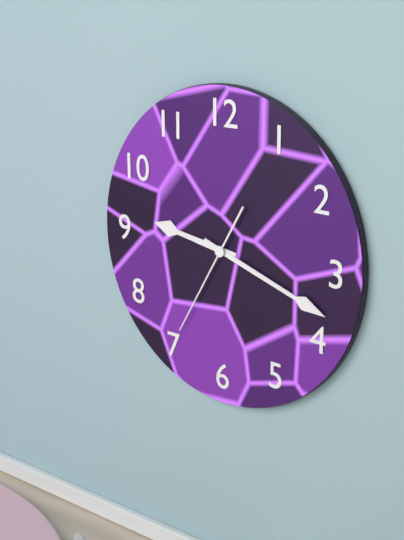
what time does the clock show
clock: 9:18:35
